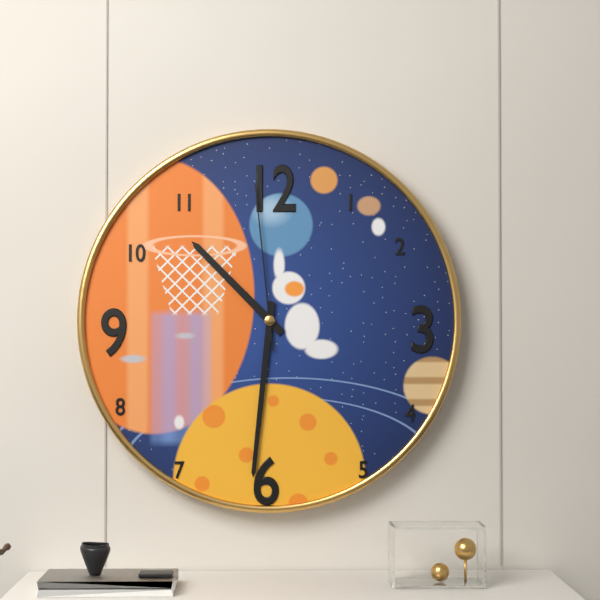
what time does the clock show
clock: 10:31:59
